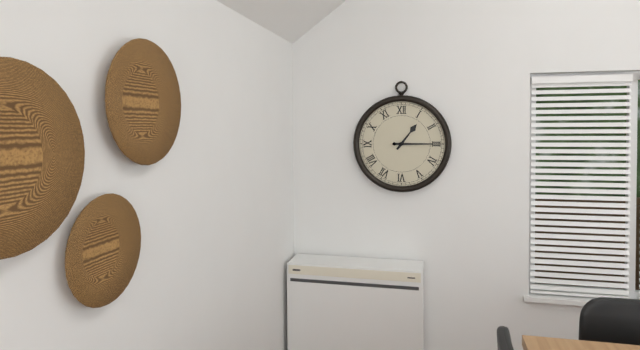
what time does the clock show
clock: 1:15
